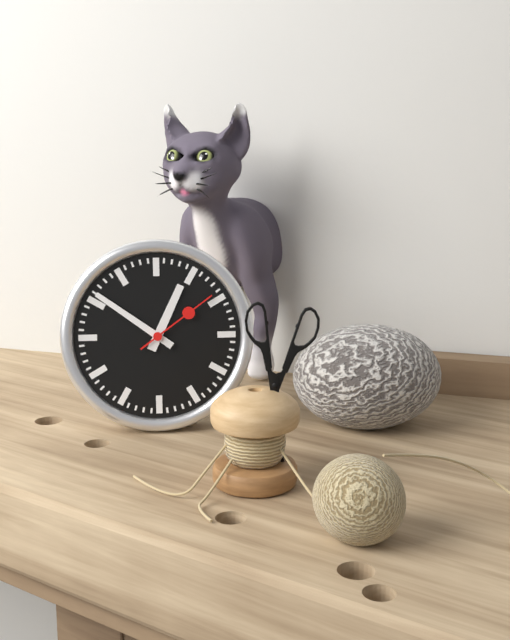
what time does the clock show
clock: 12:51:09
